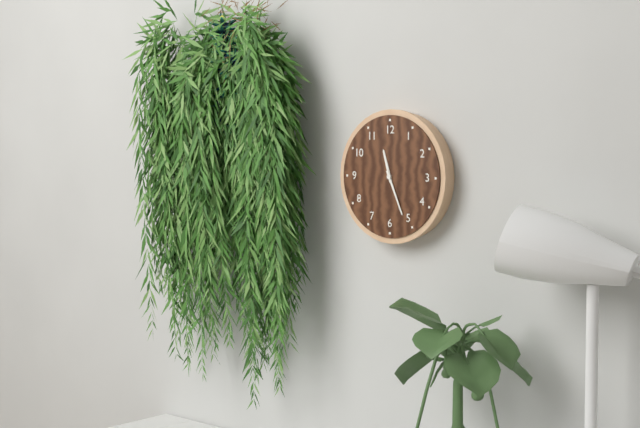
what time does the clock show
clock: 11:26
